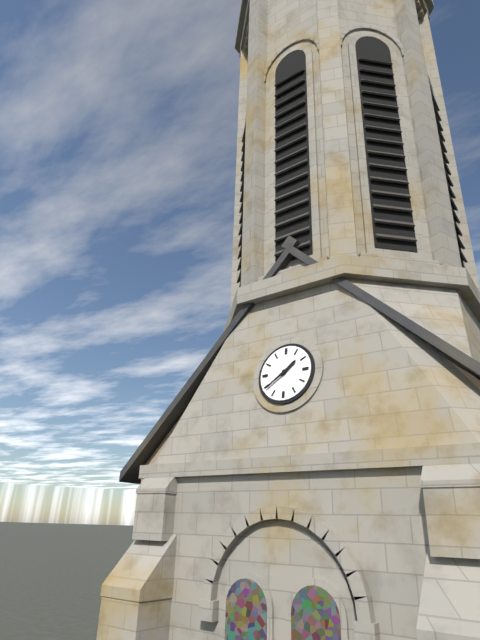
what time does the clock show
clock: 1:39
